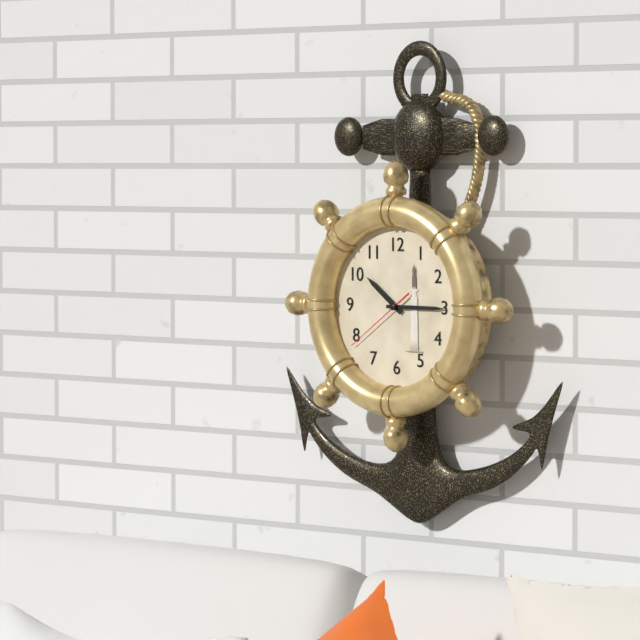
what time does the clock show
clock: 10:15:39
